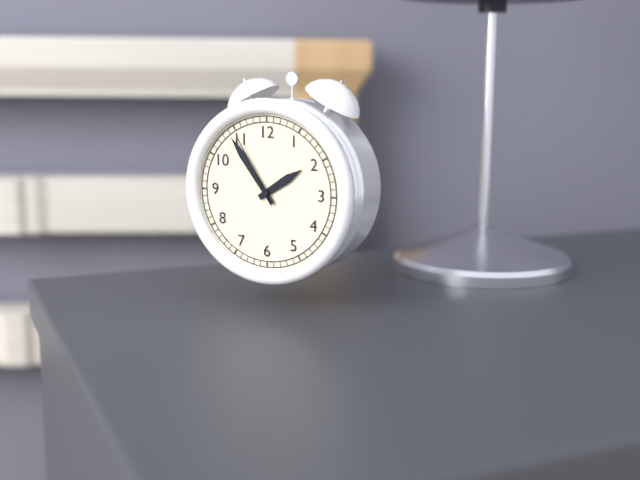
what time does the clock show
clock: 1:54:55
